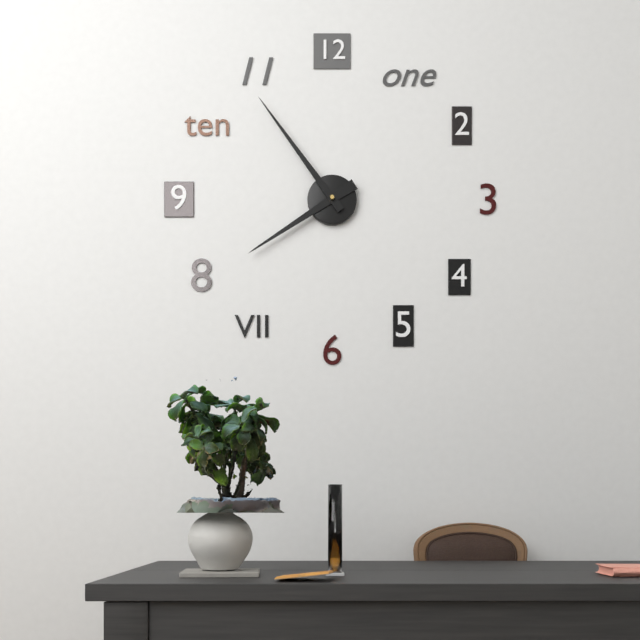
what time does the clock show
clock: 7:54
